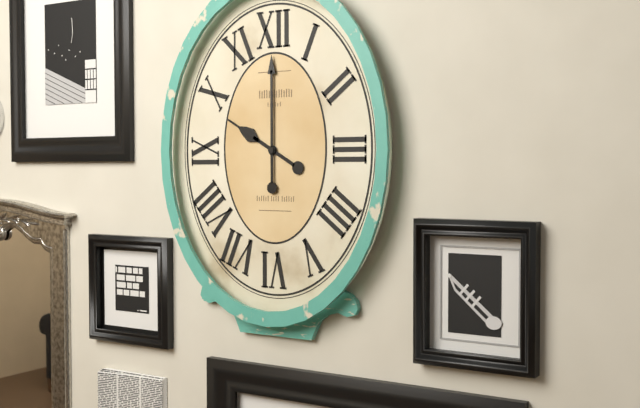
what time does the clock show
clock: 10:00
